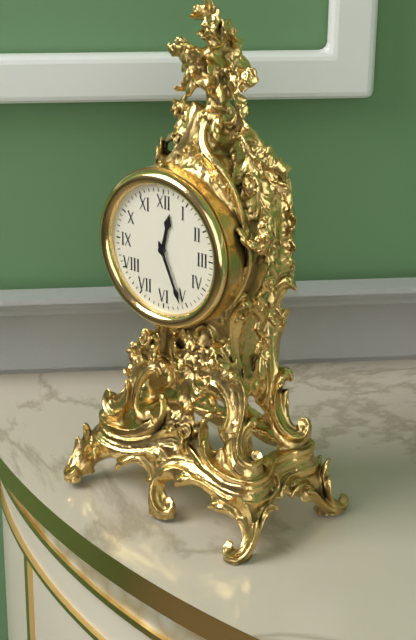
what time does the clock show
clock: 12:26
